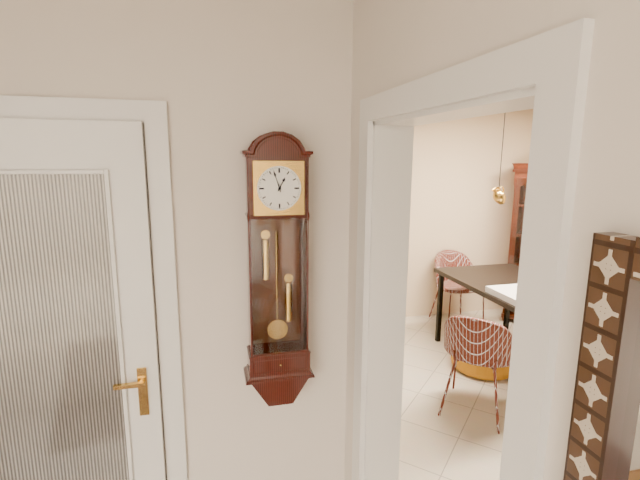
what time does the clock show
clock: 12:57
